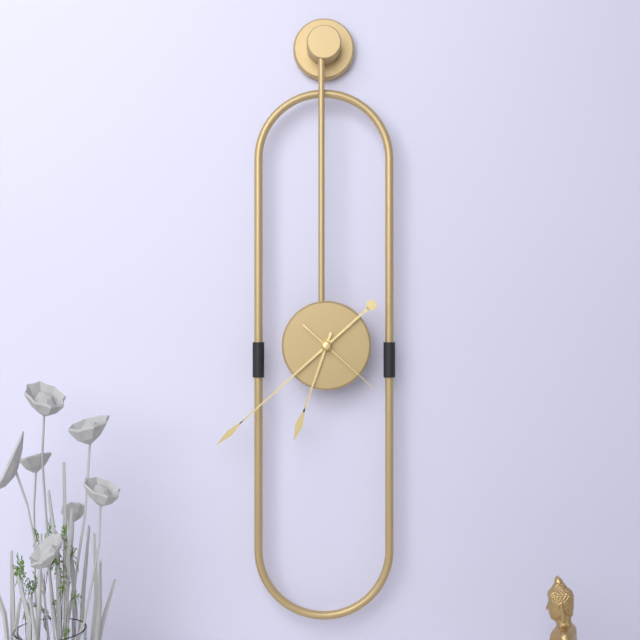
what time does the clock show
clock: 6:38:22
